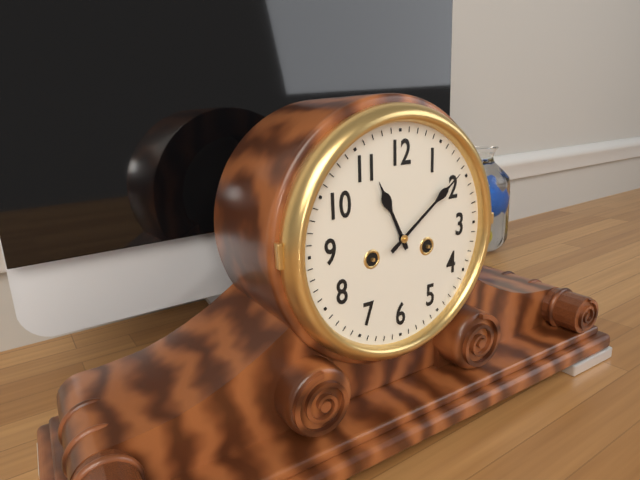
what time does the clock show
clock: 11:09
